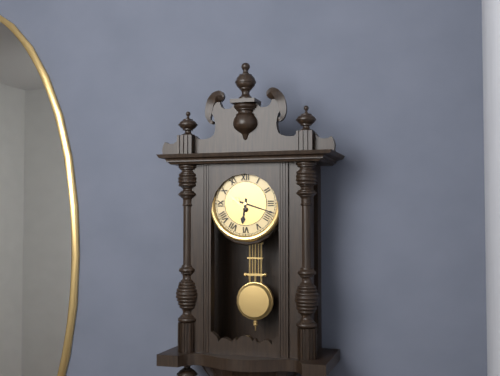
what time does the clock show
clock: 6:18
